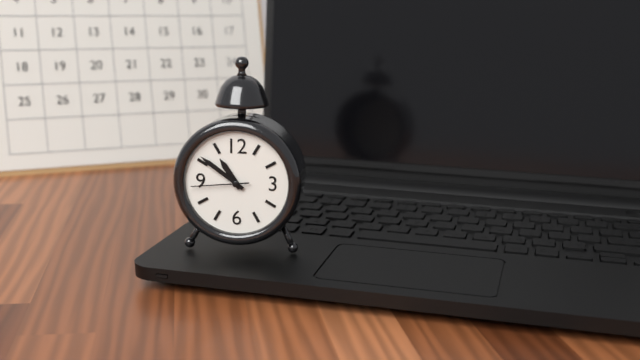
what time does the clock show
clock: 10:51:44
